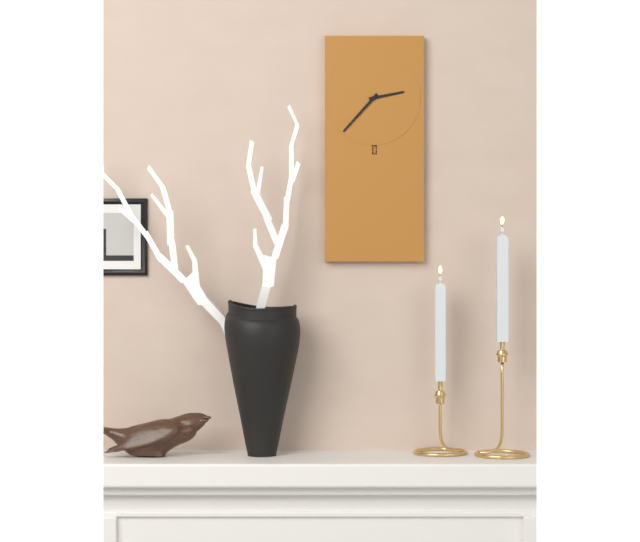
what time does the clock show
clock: 2:37
